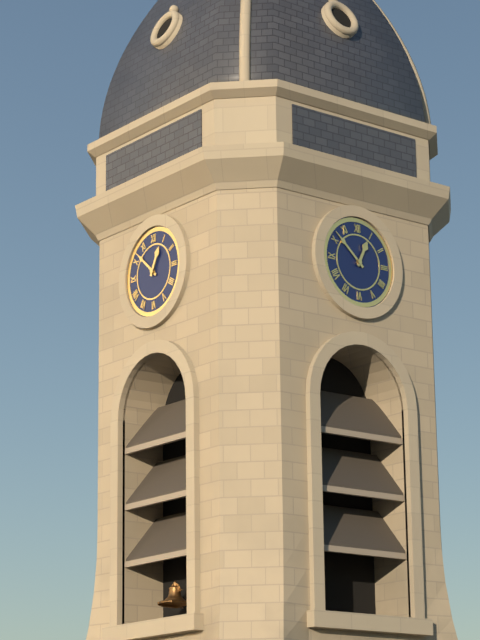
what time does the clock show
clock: 12:52
